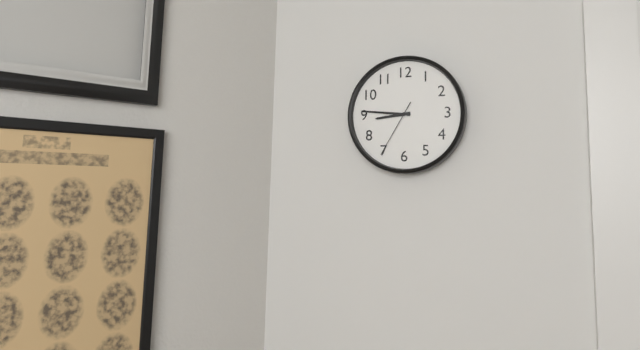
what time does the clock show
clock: 8:46:35
